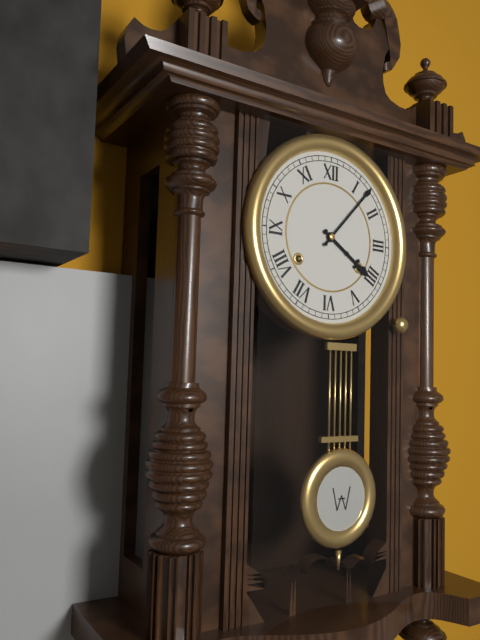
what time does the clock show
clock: 4:07
